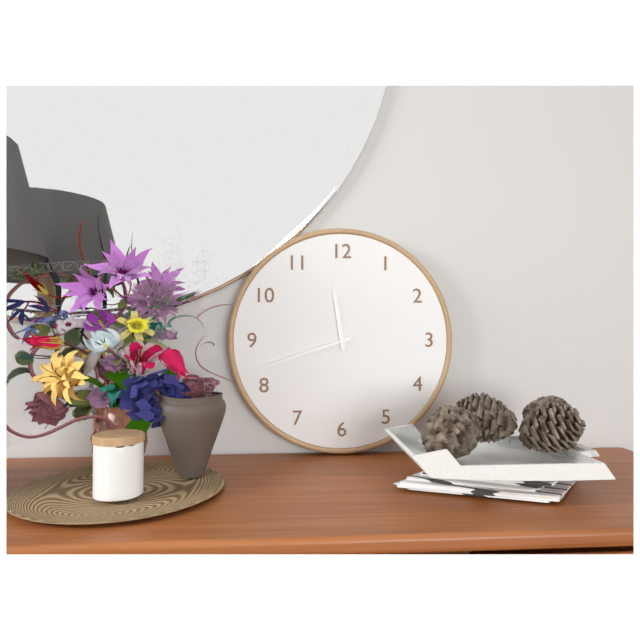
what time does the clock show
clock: 11:42
